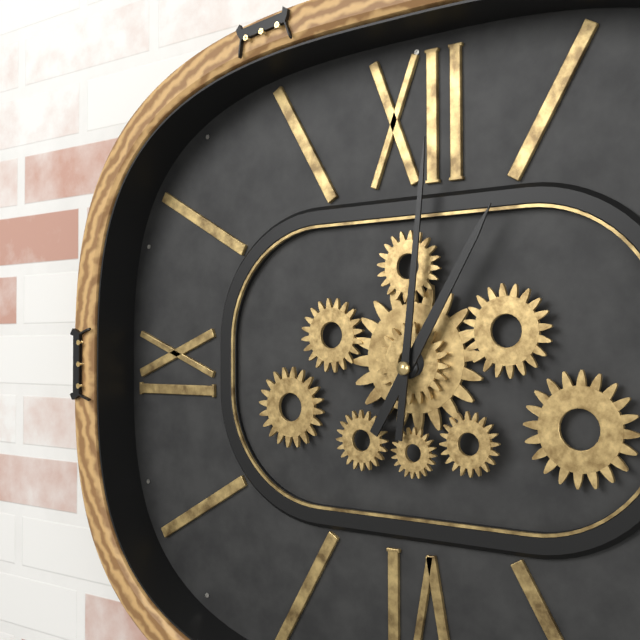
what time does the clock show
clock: 1:01
